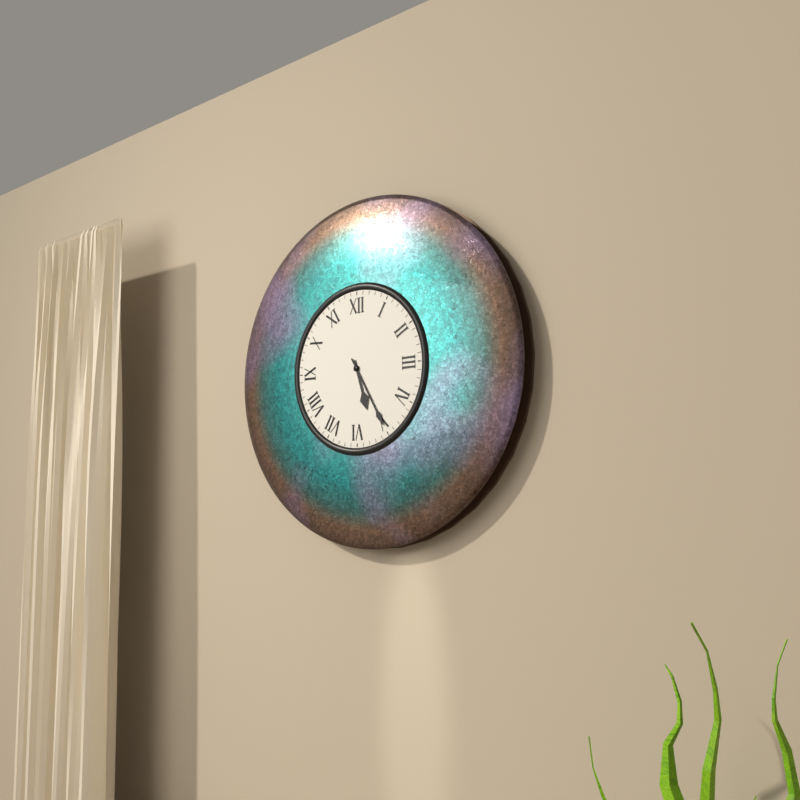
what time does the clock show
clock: 5:25
